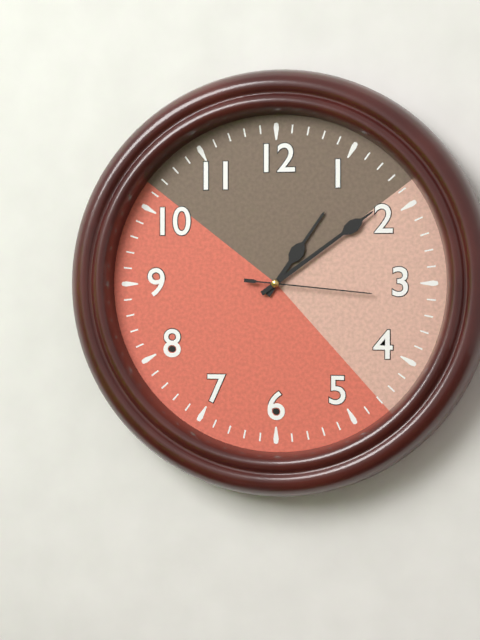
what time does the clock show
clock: 1:09:16
